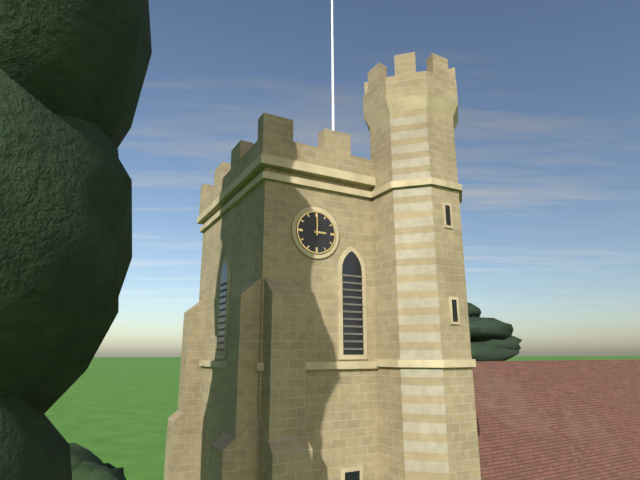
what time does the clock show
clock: 3:00
